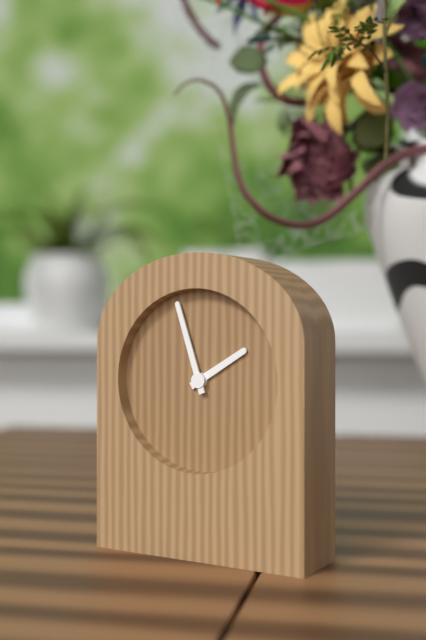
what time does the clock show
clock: 1:57
